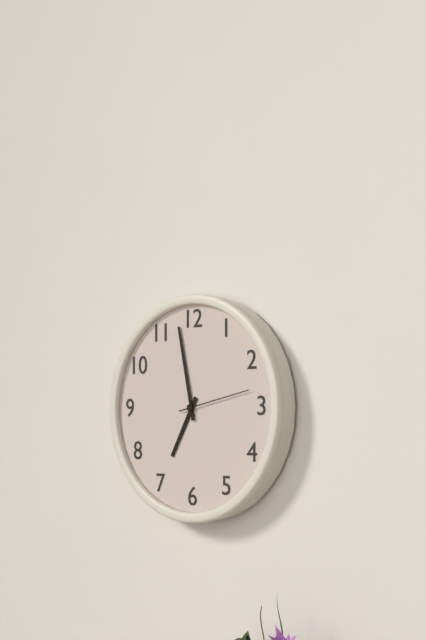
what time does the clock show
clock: 6:58:13
